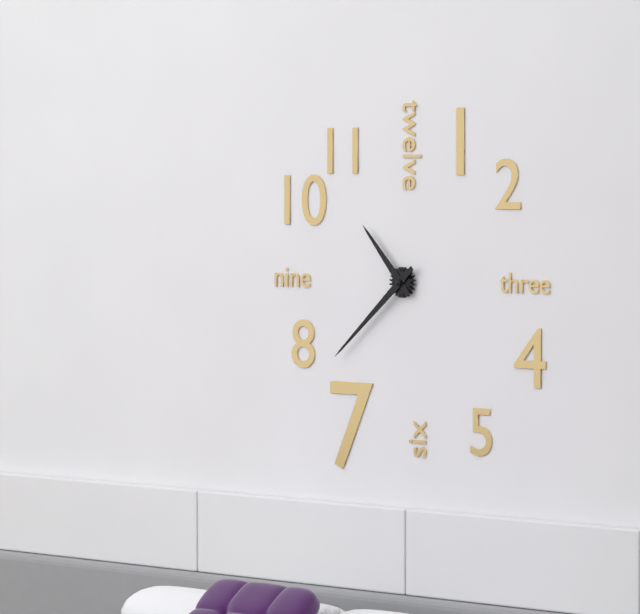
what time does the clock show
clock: 10:38
